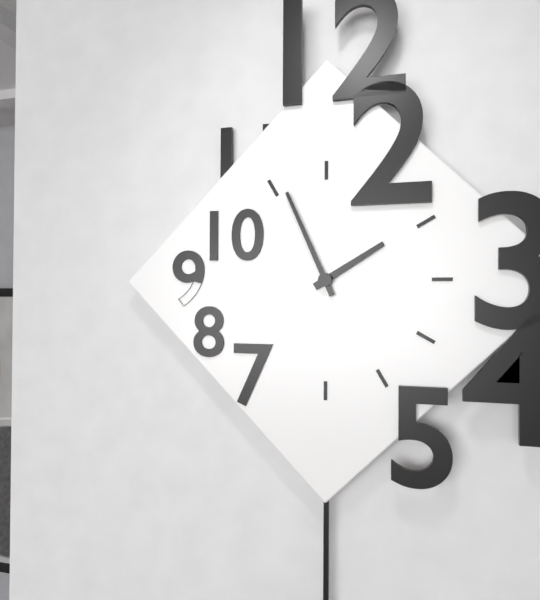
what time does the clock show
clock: 1:56
